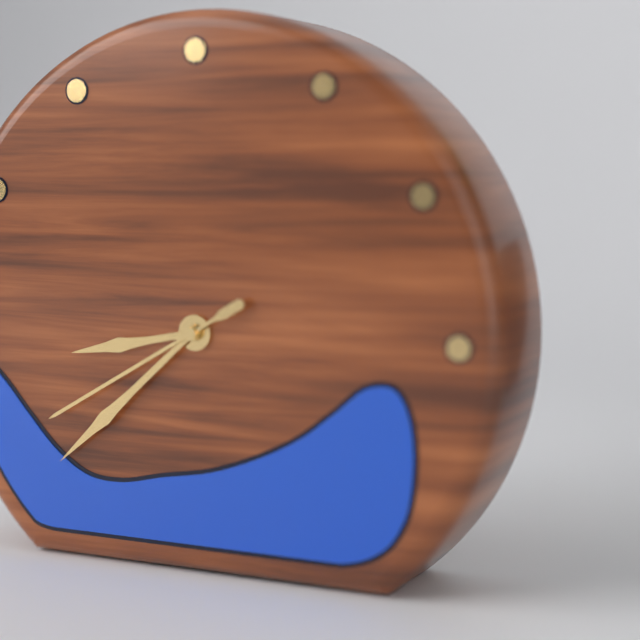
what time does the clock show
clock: 8:38:40
